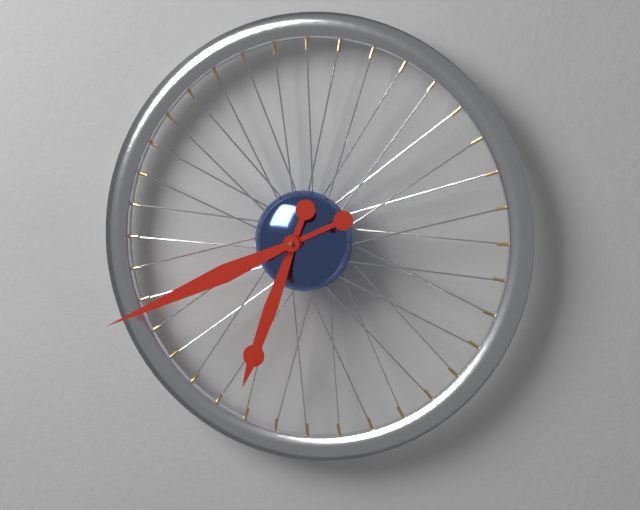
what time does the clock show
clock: 6:41
